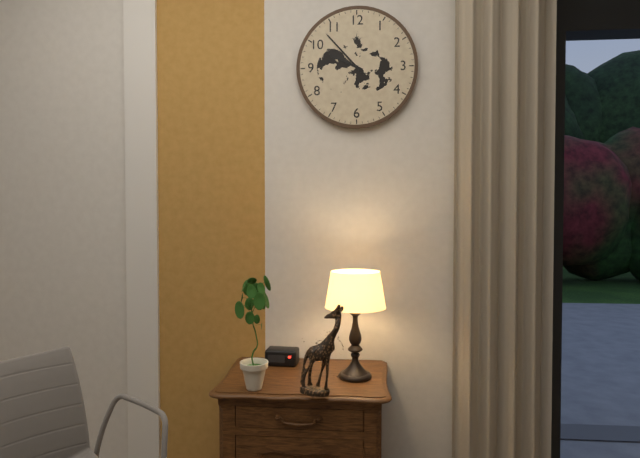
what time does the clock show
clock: 9:53
